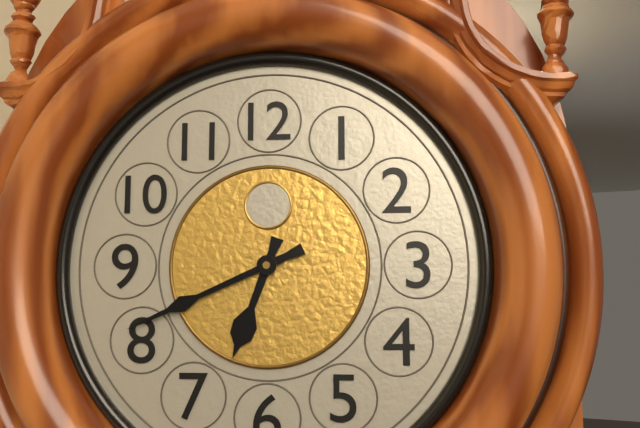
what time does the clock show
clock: 6:41
